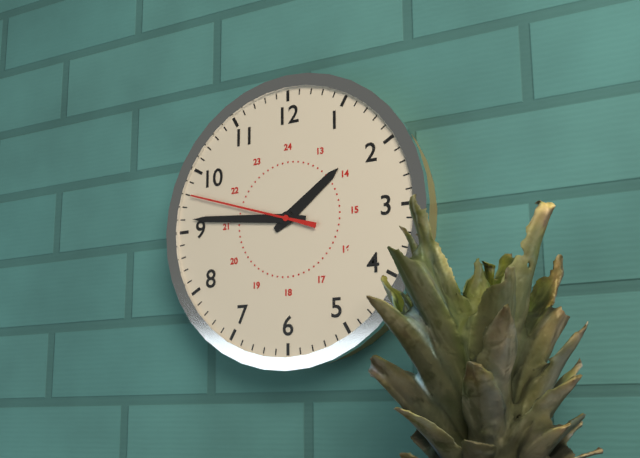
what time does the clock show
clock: 1:46:48
